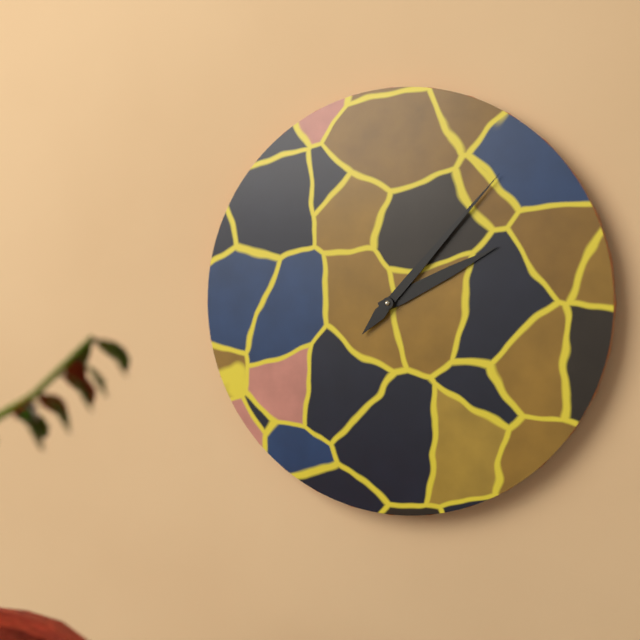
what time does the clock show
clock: 2:07
